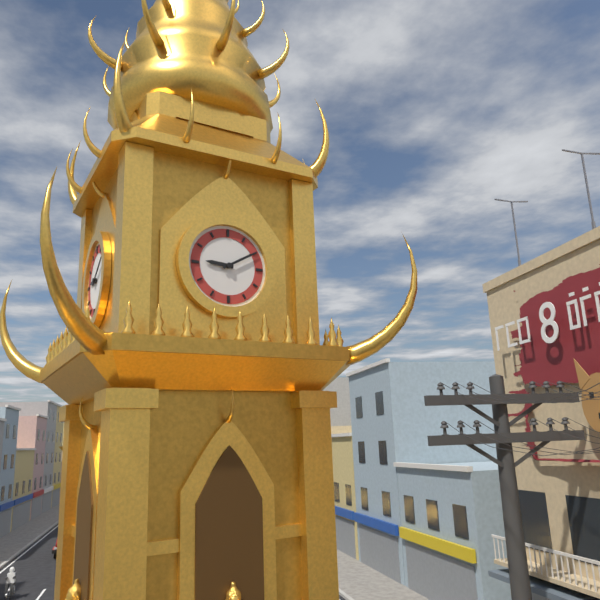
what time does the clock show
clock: 9:10
